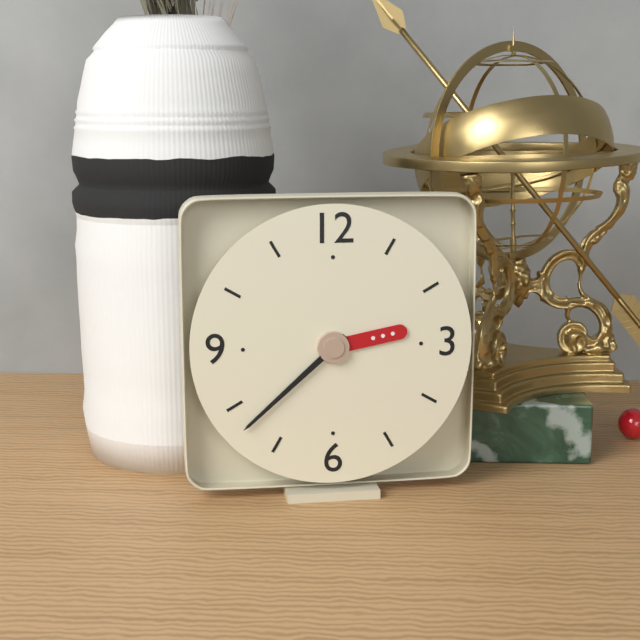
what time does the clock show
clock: 2:38
